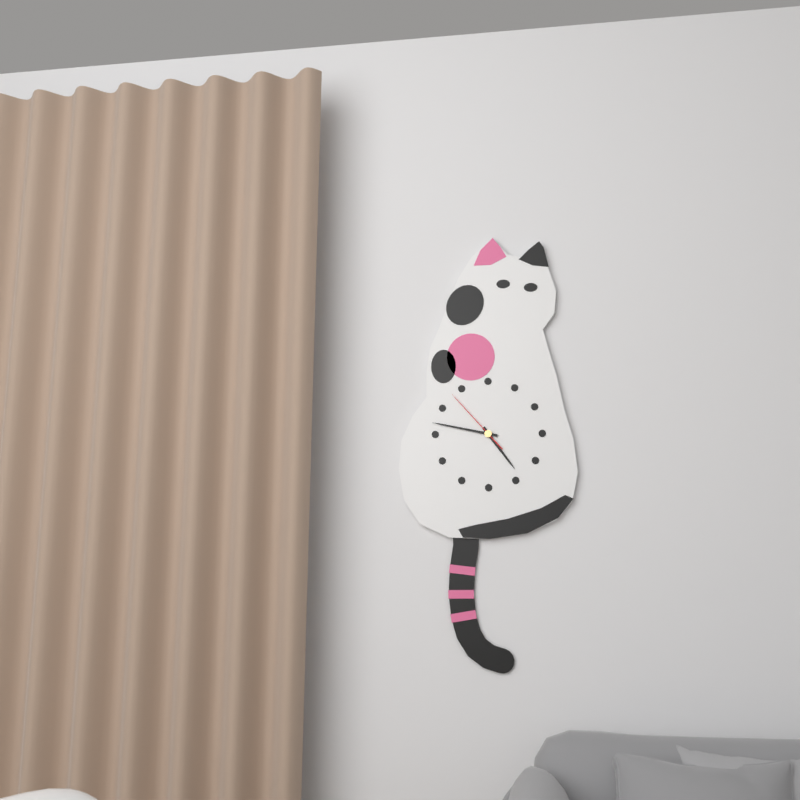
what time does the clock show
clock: 4:47:53
